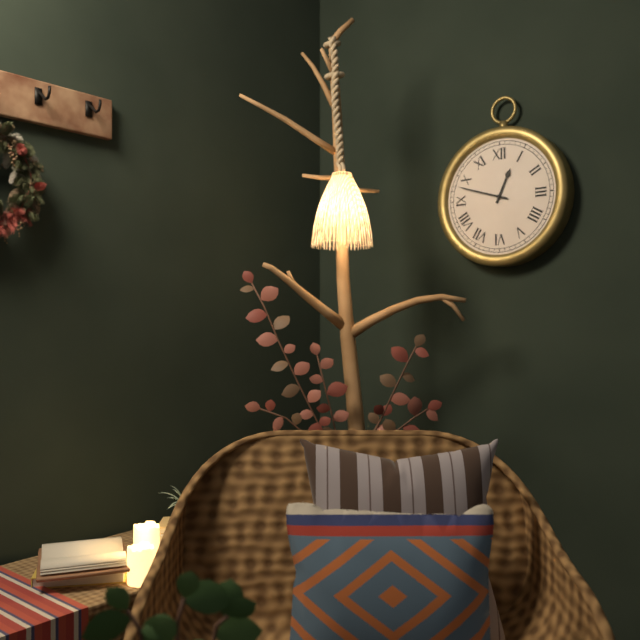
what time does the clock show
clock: 12:48
